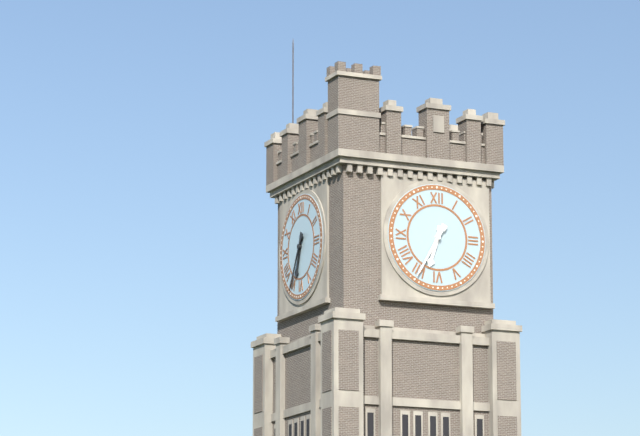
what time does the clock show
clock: 6:35
